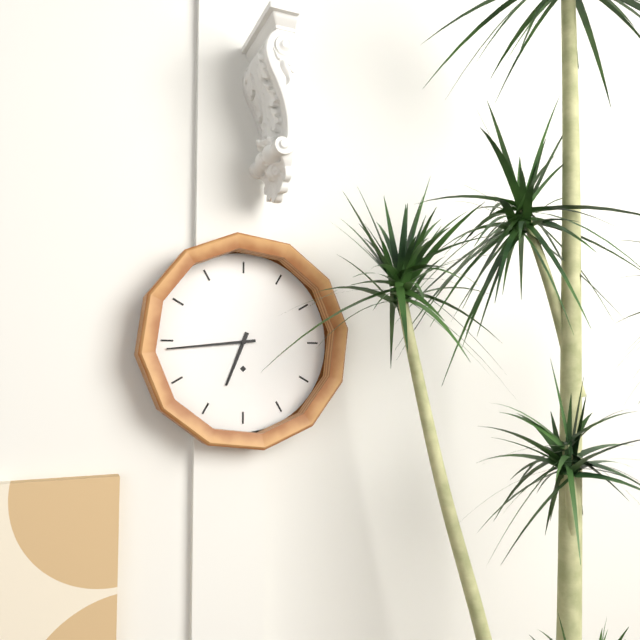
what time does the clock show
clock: 6:44
